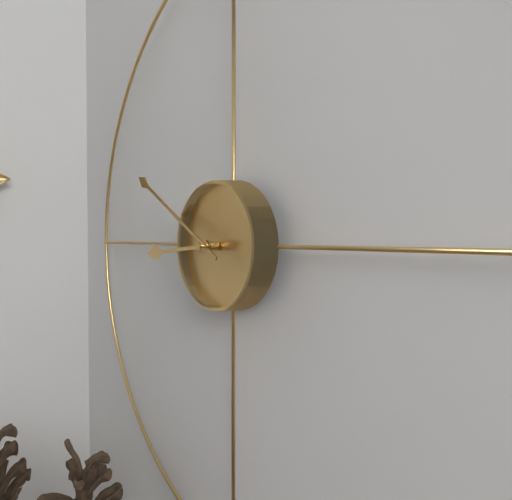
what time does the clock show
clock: 8:50
